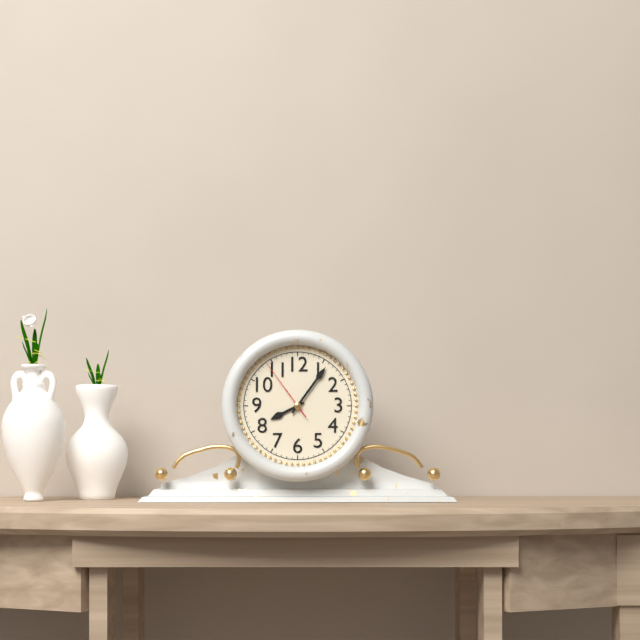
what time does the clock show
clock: 8:06:54
